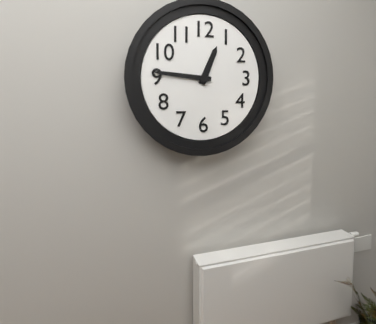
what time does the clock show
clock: 12:46
